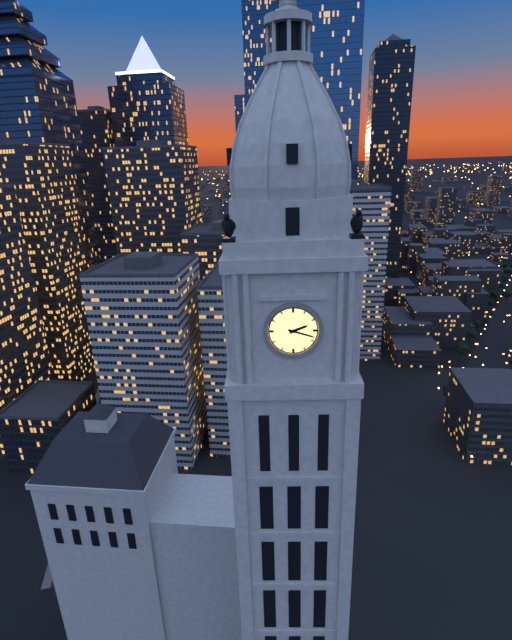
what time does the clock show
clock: 2:18
